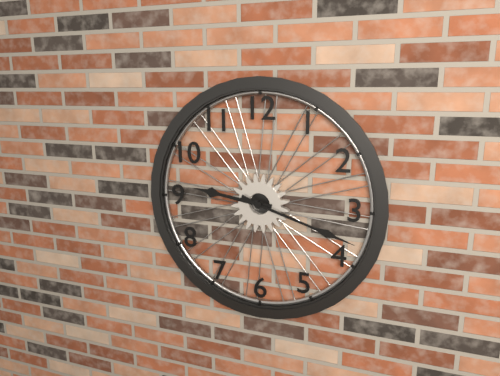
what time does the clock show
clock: 9:18
